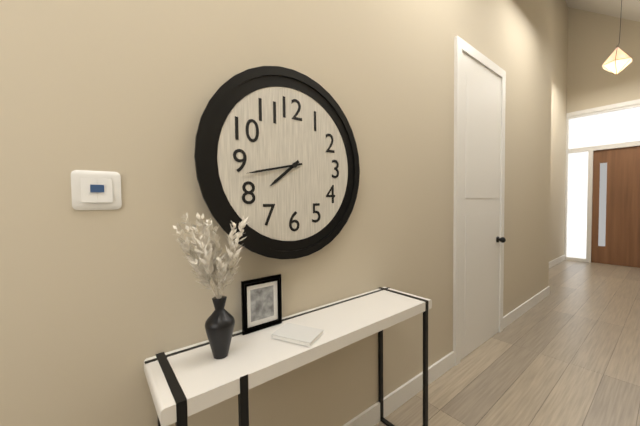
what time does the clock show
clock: 7:43
